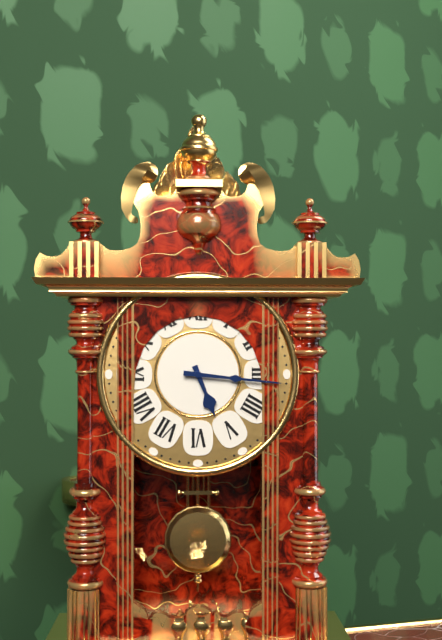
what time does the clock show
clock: 5:16
